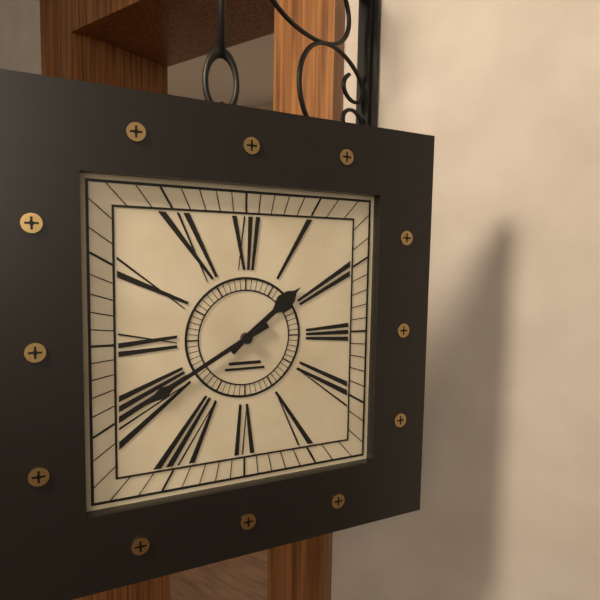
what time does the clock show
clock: 1:40
